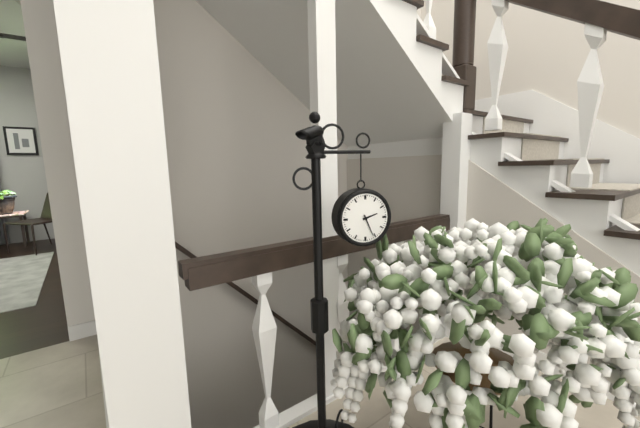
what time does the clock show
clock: 2:26
